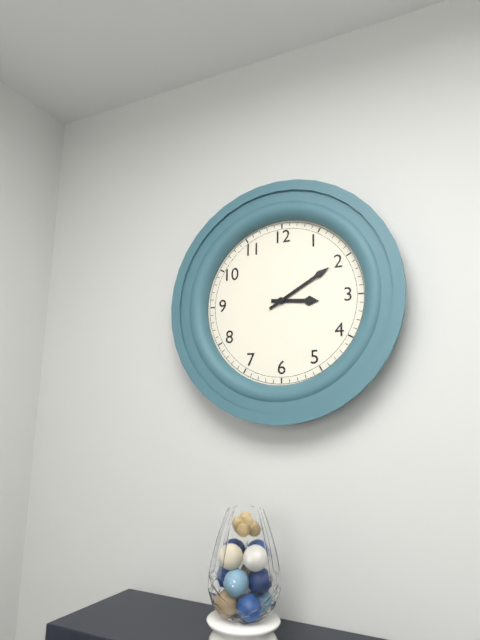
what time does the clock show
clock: 3:10
